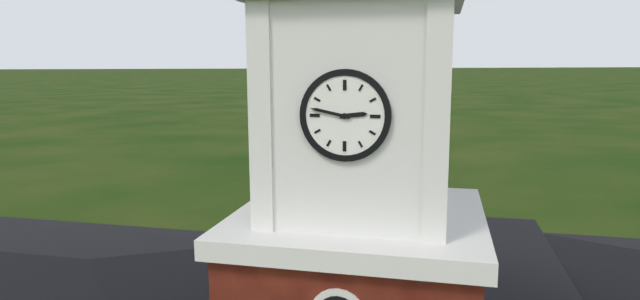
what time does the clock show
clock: 2:47
